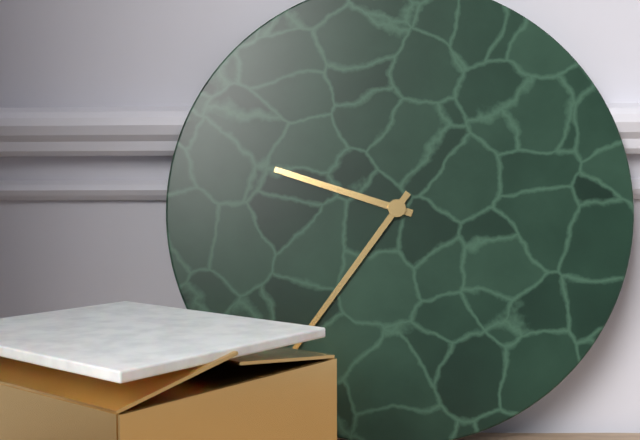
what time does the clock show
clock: 9:36
